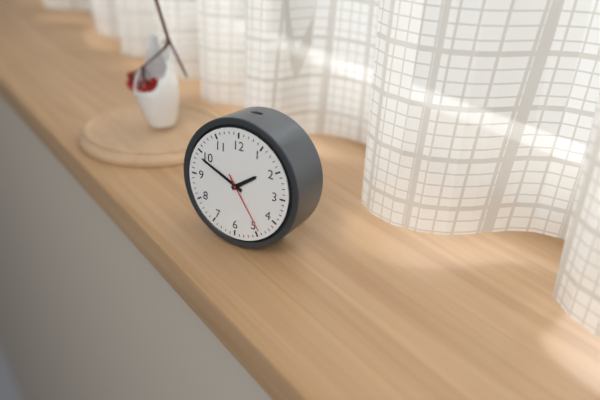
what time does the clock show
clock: 1:49:24
